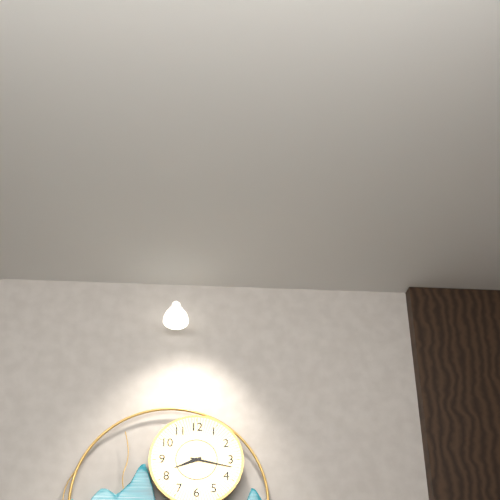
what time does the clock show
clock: 8:17
